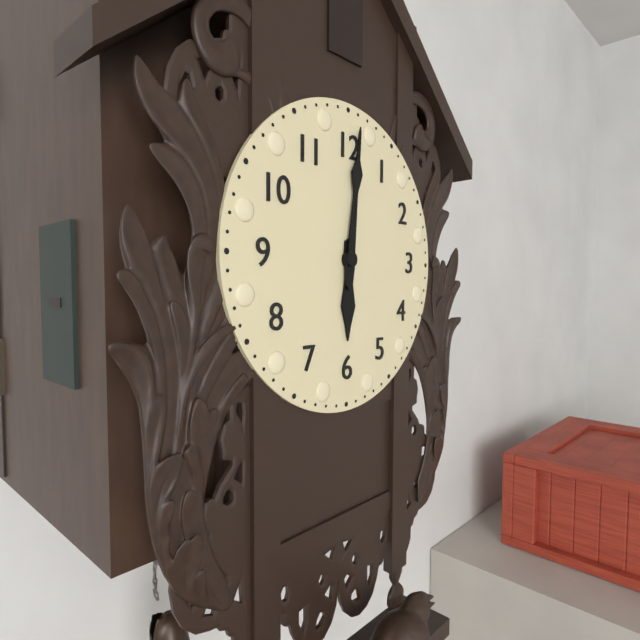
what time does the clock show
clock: 6:01
